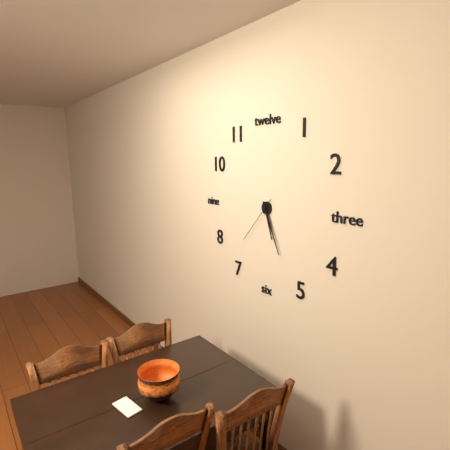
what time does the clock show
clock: 5:26
